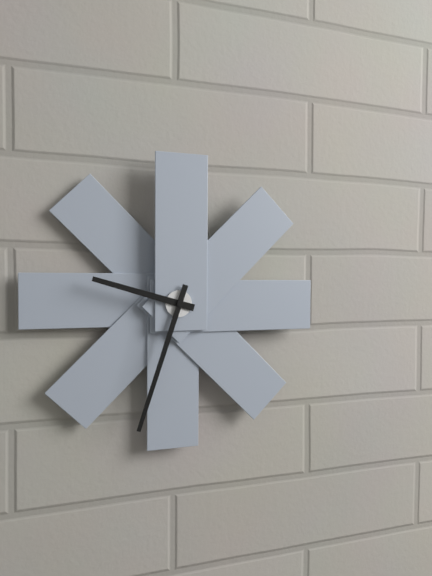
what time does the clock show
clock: 9:33
